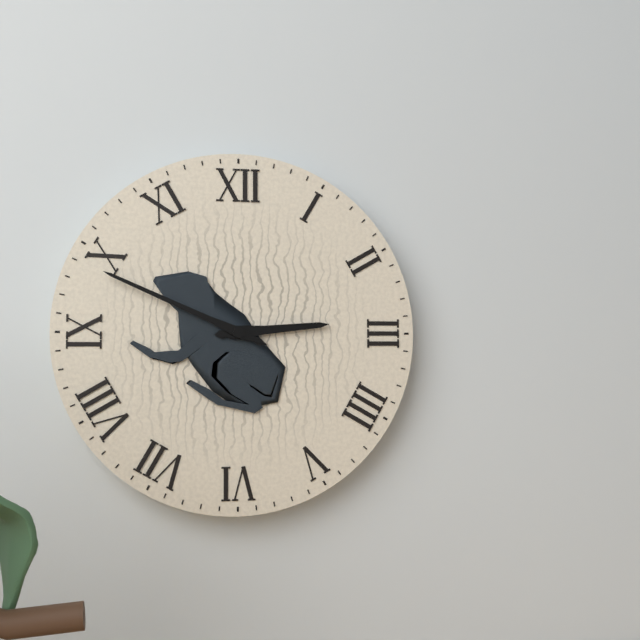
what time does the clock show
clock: 2:49
